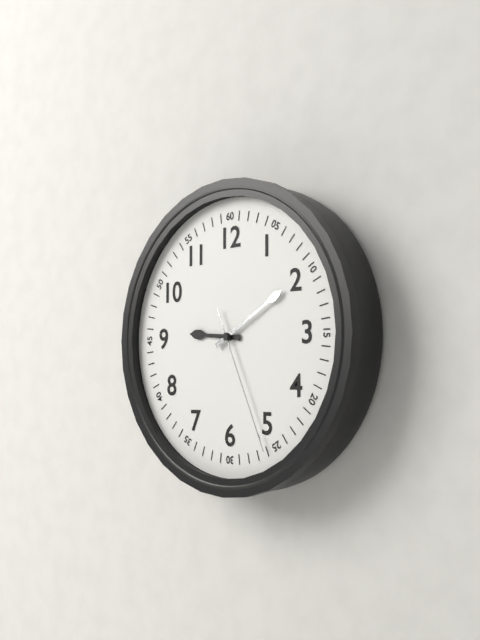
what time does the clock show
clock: 9:10:26
